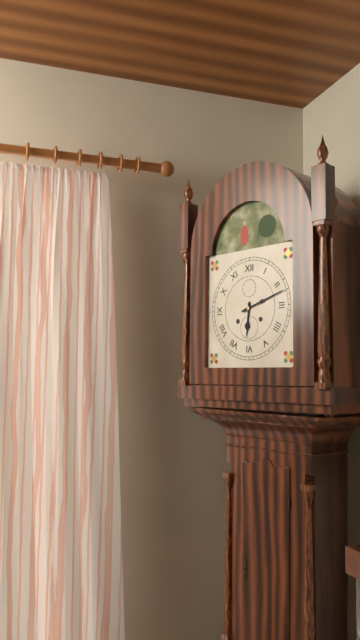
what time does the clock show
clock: 6:12
